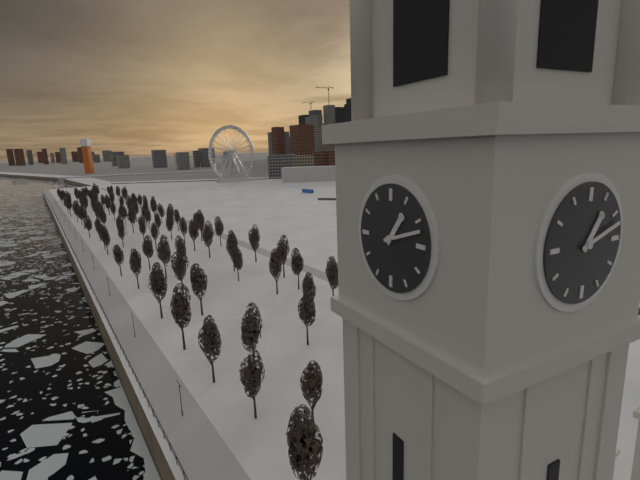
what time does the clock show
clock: 1:12
